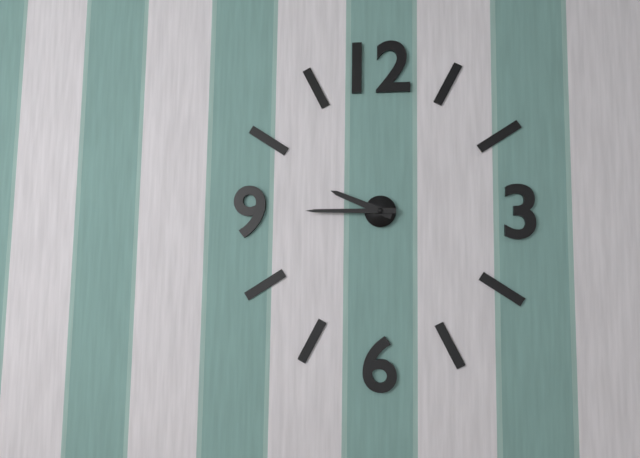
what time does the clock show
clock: 9:45
